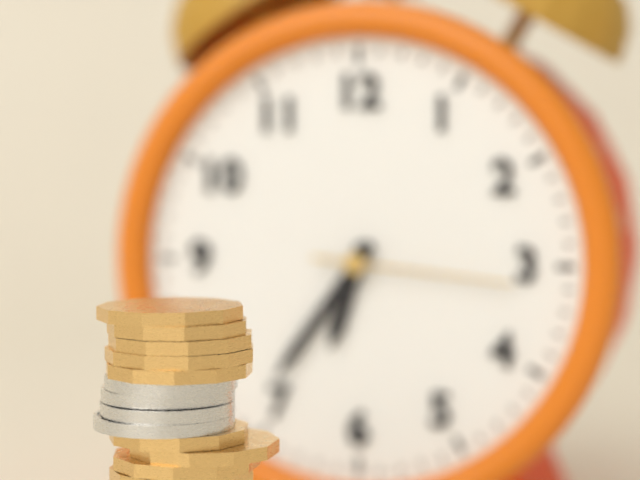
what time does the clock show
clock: 6:36:16
